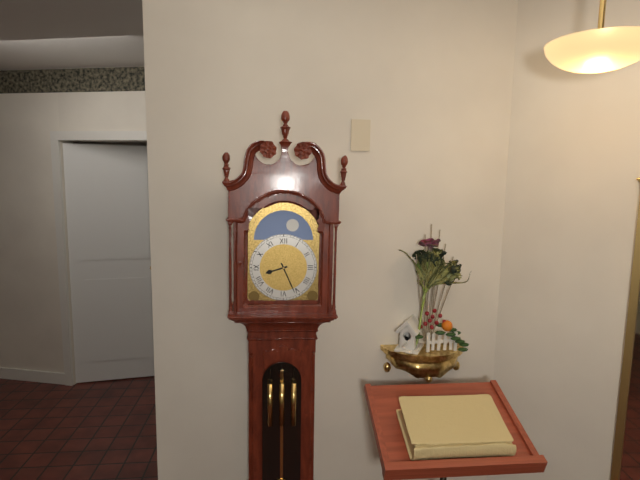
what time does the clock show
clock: 8:26
